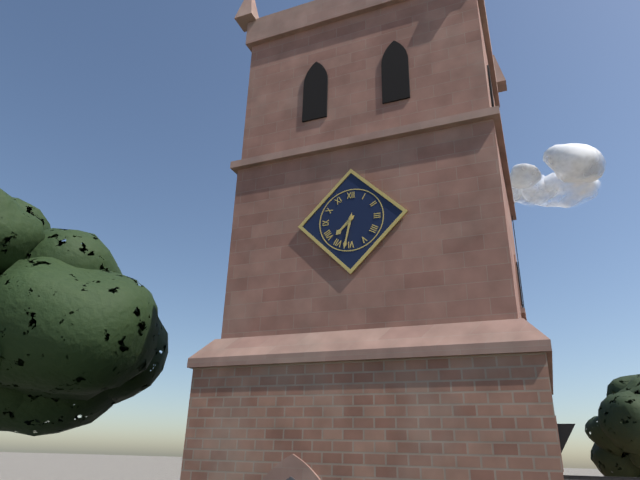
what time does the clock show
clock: 7:32
